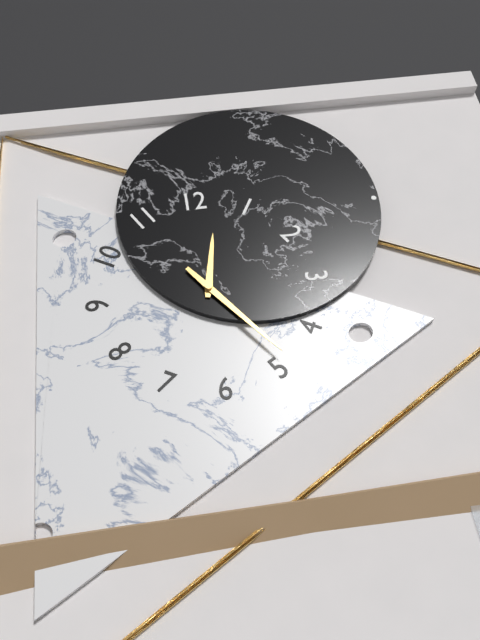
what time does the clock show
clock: 12:24
